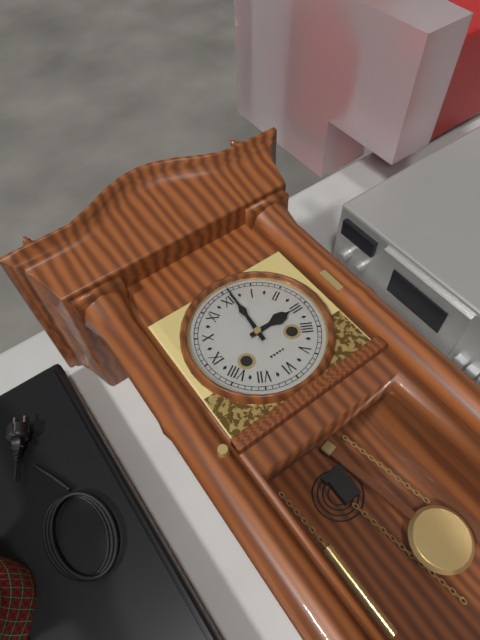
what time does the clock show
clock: 3:01
